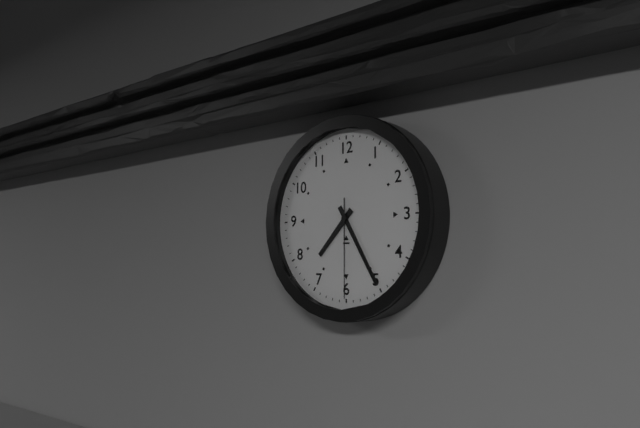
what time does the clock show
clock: 7:25:30
